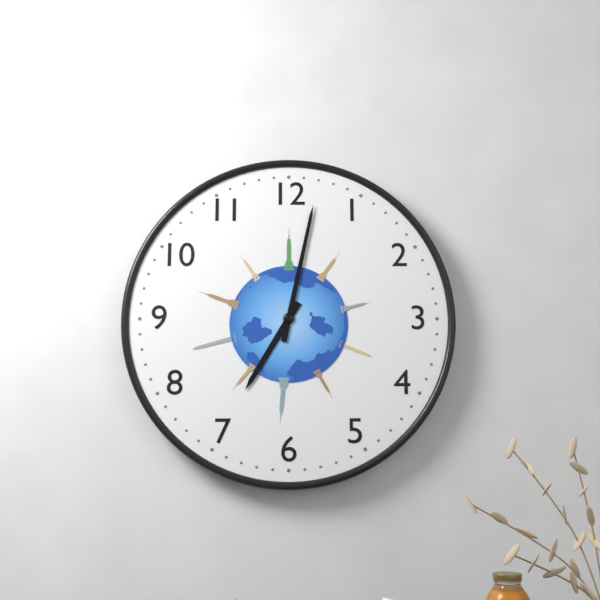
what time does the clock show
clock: 7:02
